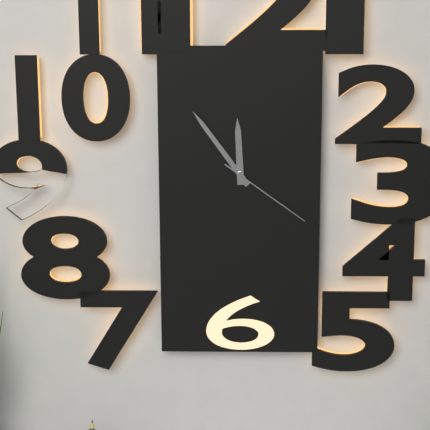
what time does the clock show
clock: 11:54:21
